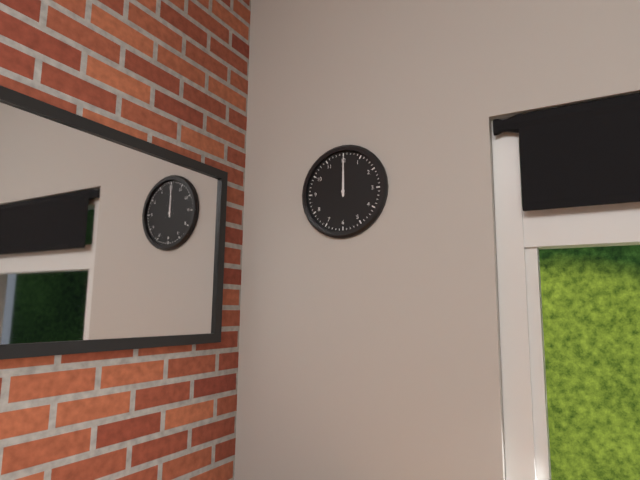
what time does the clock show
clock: 12:00
